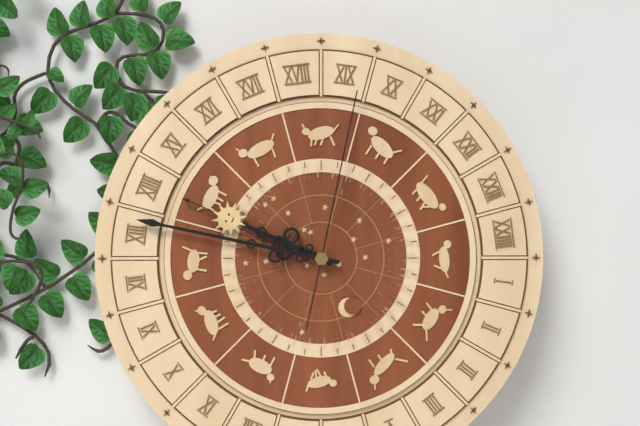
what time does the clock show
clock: 9:47:02
